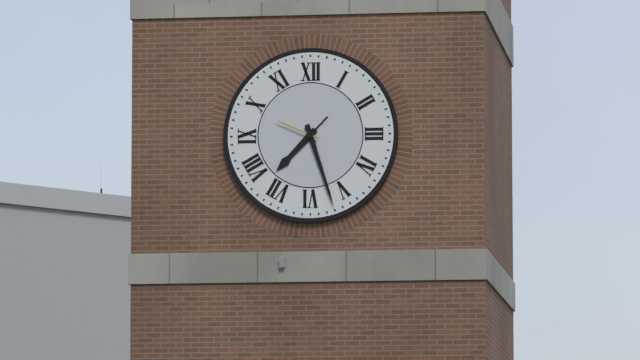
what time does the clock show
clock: 7:27
